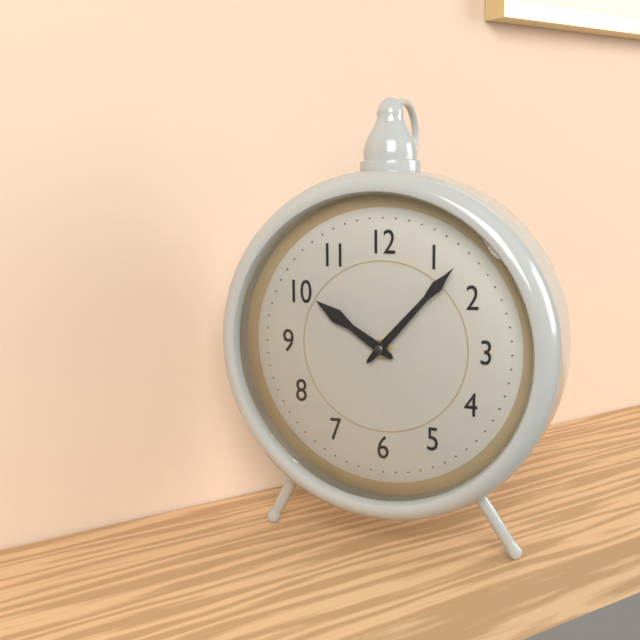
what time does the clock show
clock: 10:07
